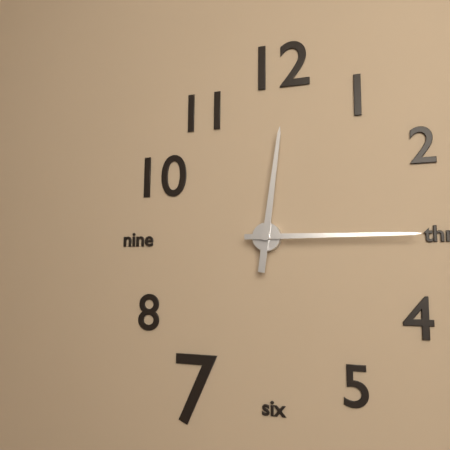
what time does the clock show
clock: 12:15
